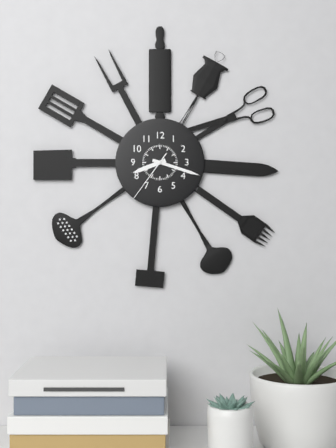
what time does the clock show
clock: 8:18:36
